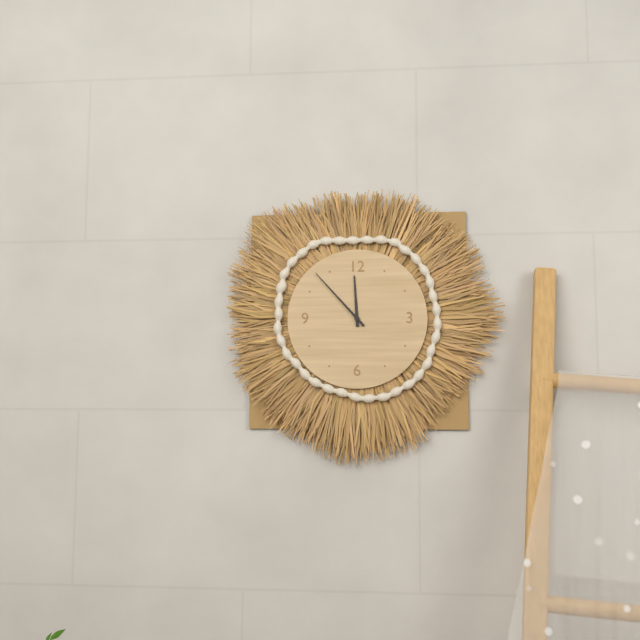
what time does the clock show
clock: 11:53
